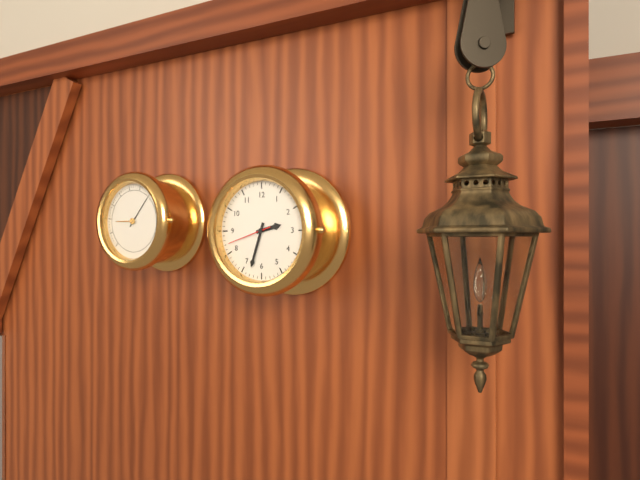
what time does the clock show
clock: 2:33
